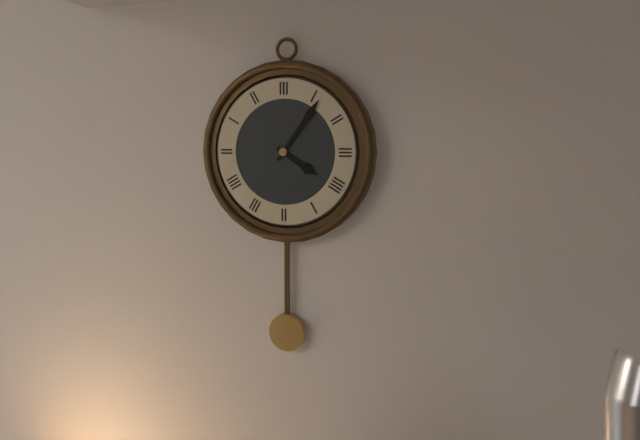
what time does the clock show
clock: 4:06
